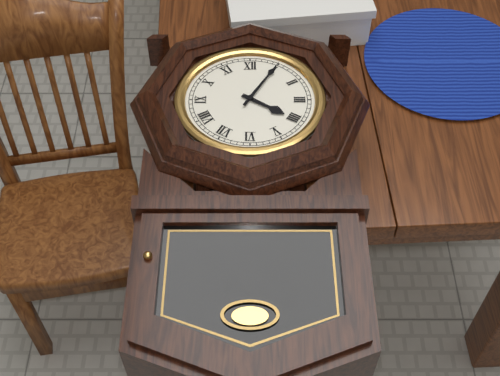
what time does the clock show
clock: 4:05
